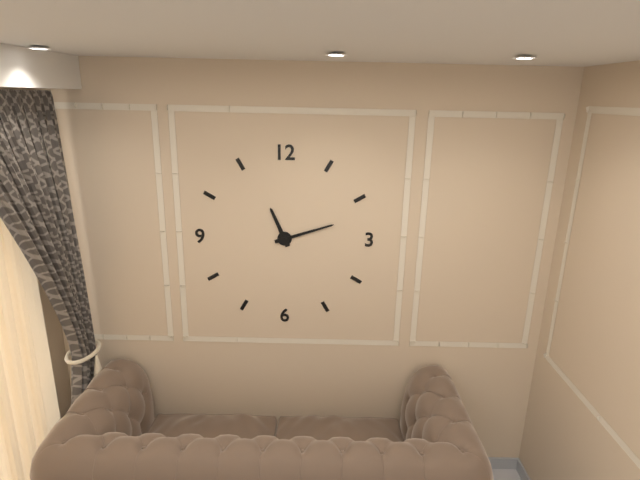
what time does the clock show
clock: 11:12
